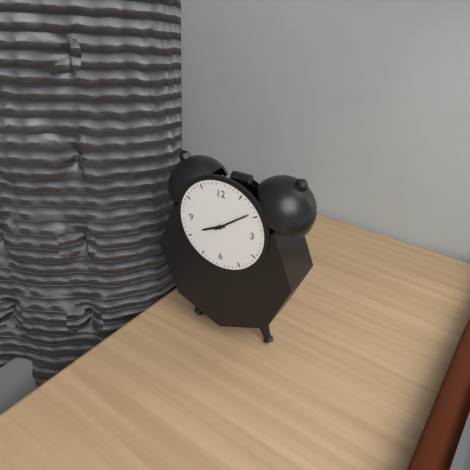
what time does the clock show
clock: 8:09
